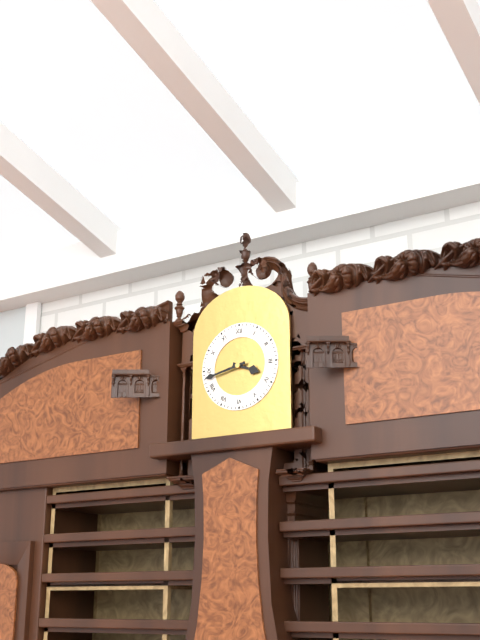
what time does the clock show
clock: 3:43
